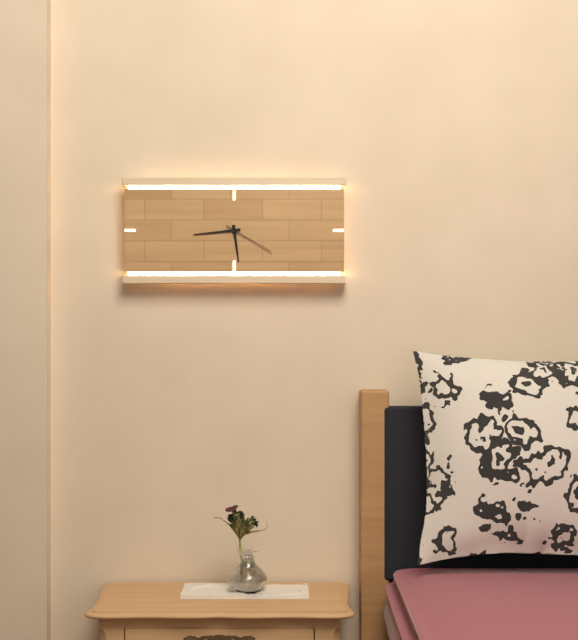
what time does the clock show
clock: 5:44:20
